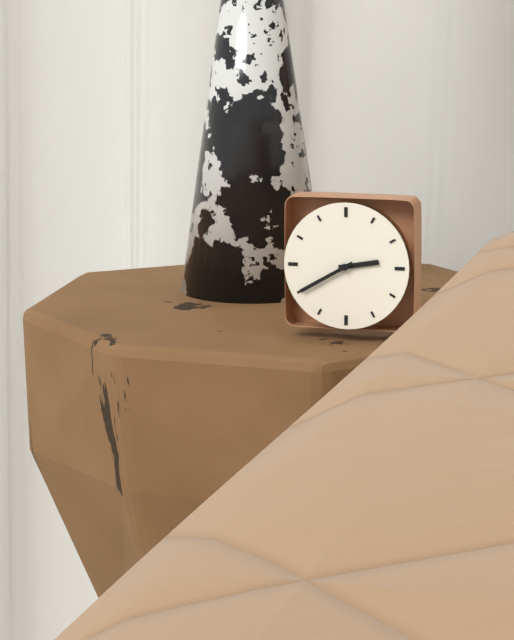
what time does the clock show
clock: 2:40
